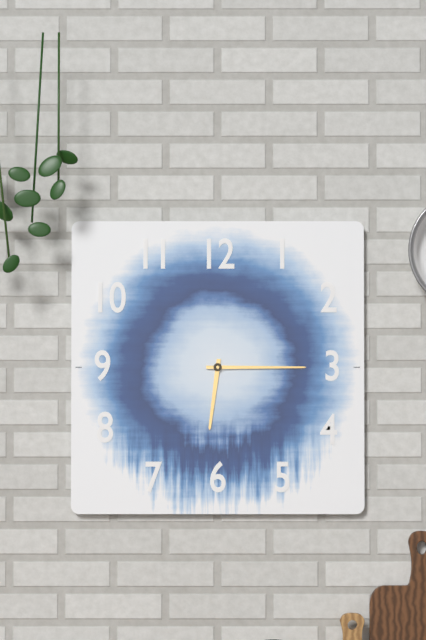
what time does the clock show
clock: 6:15
